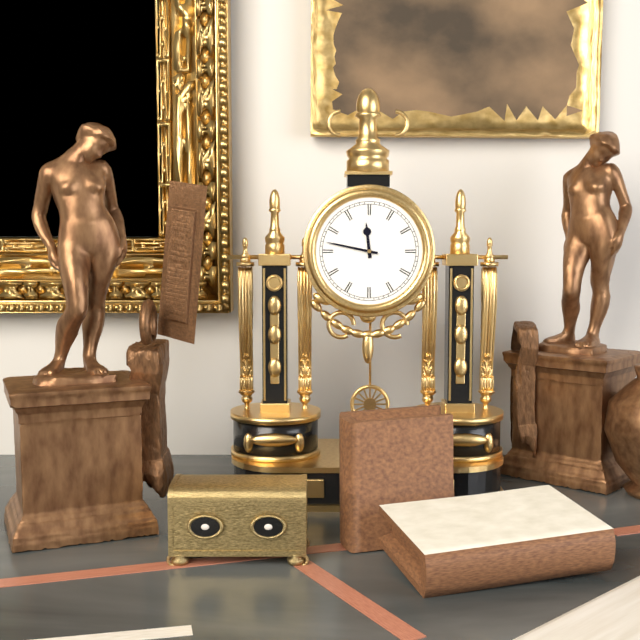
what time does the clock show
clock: 11:47
